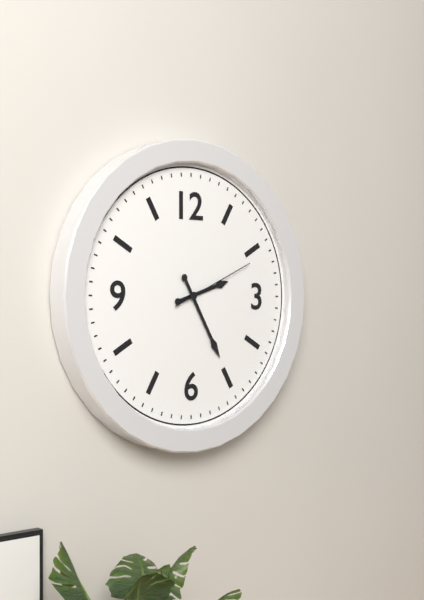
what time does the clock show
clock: 2:25:11
